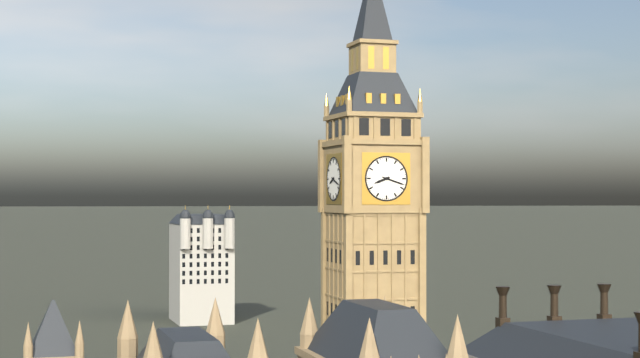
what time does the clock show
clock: 8:18
